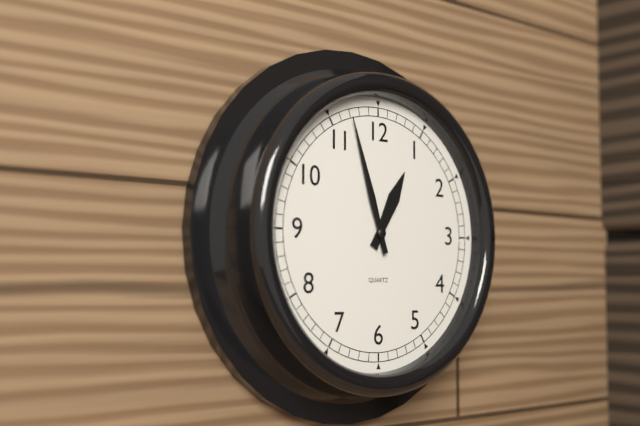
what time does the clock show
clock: 12:57
